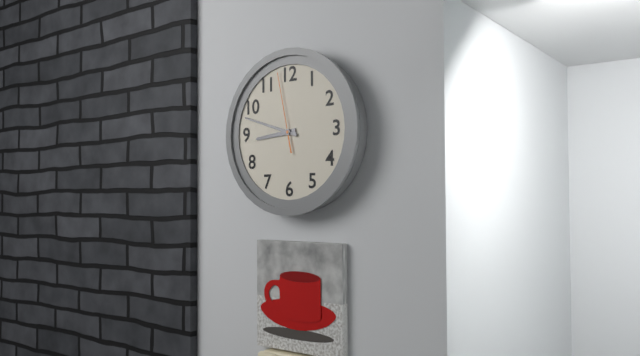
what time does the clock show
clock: 8:48:58
